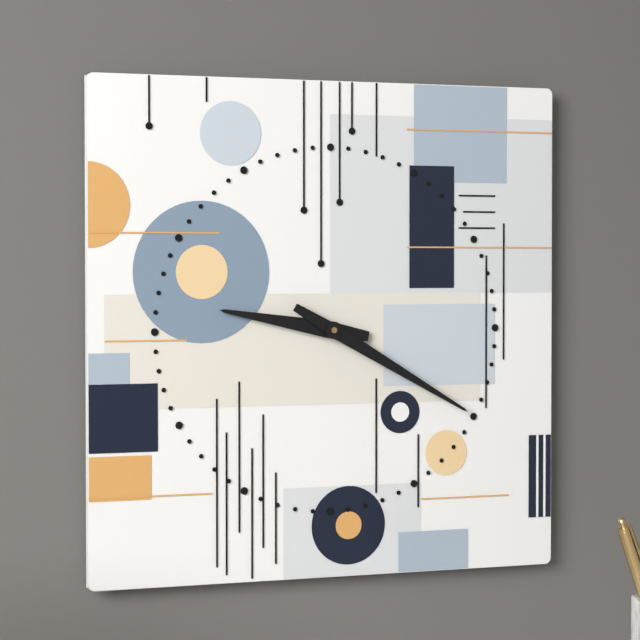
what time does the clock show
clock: 9:20
